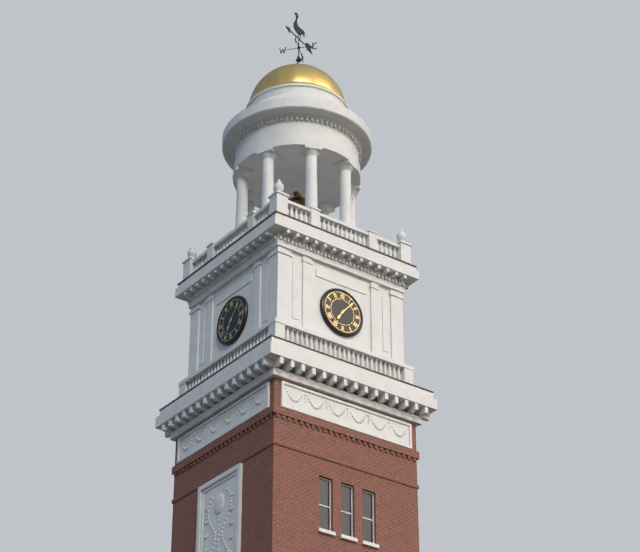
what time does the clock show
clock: 7:07
